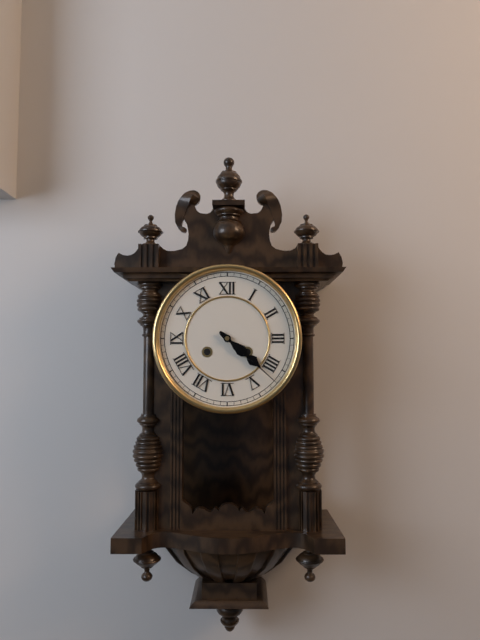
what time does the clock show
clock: 4:22
